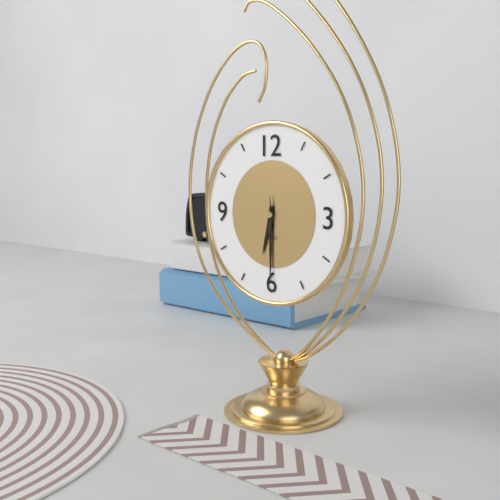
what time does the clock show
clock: 6:30:30
